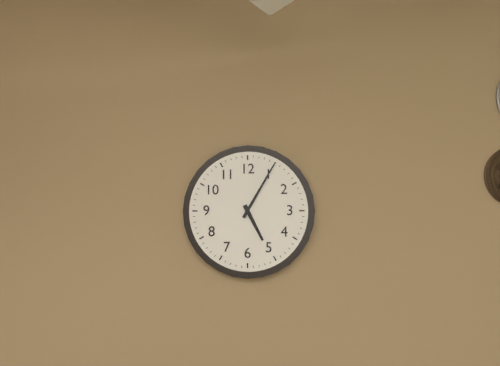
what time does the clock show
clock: 5:05
